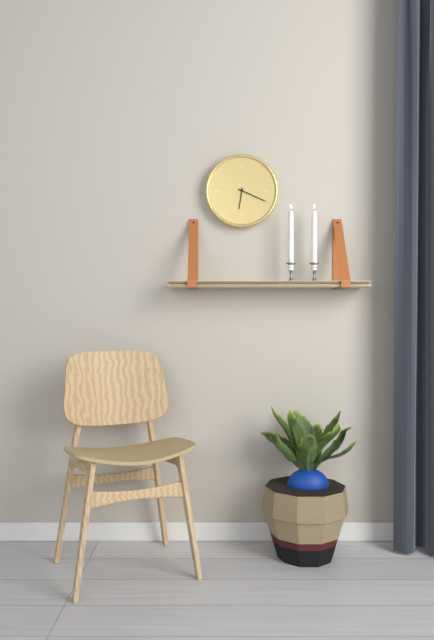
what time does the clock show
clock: 6:19
